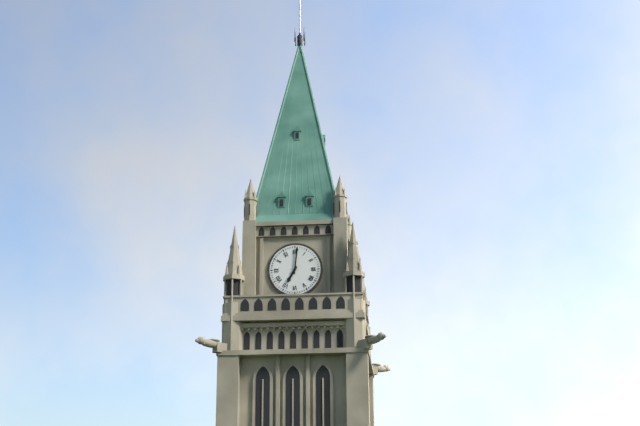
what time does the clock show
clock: 7:01
